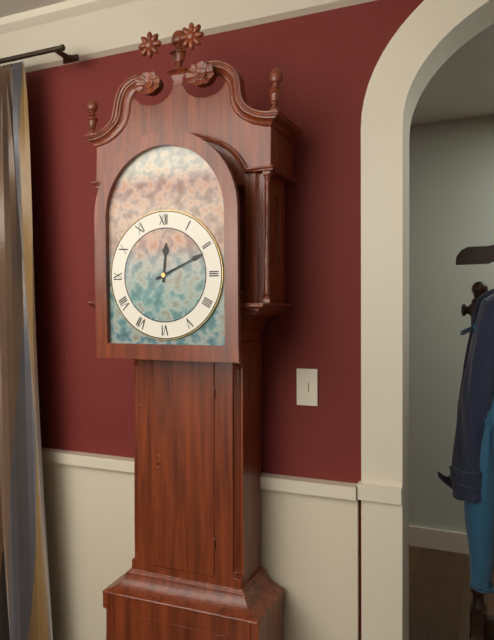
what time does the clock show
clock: 12:11
